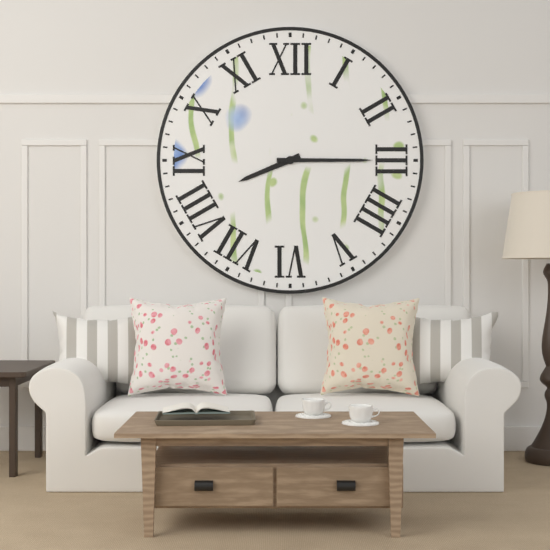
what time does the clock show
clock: 8:15
